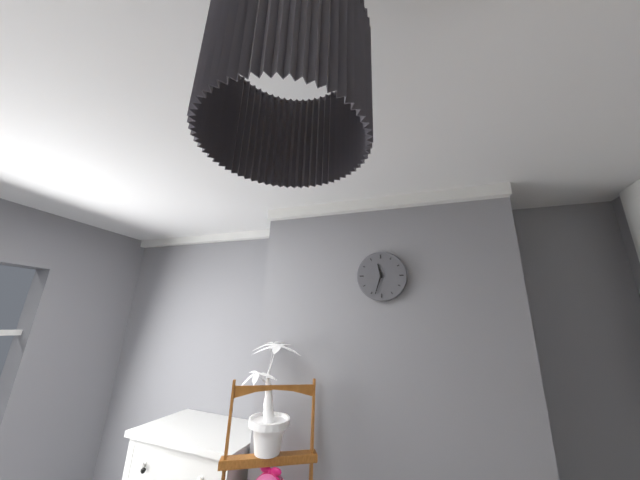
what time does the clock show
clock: 11:33
